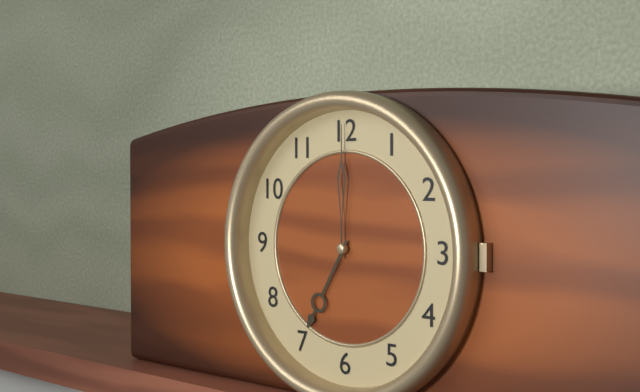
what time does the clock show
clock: 7:00
